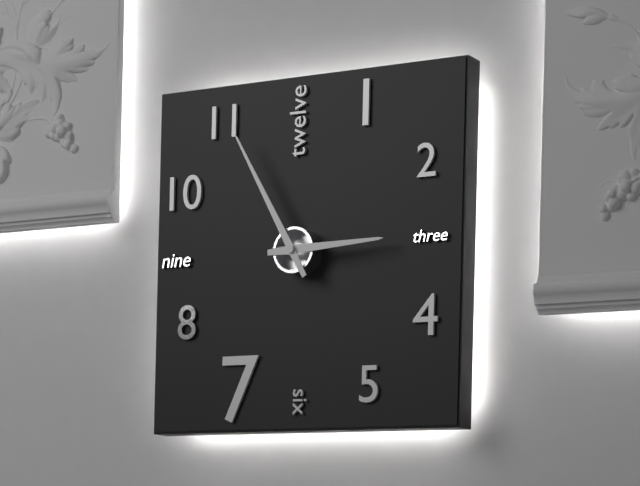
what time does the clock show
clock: 2:55
